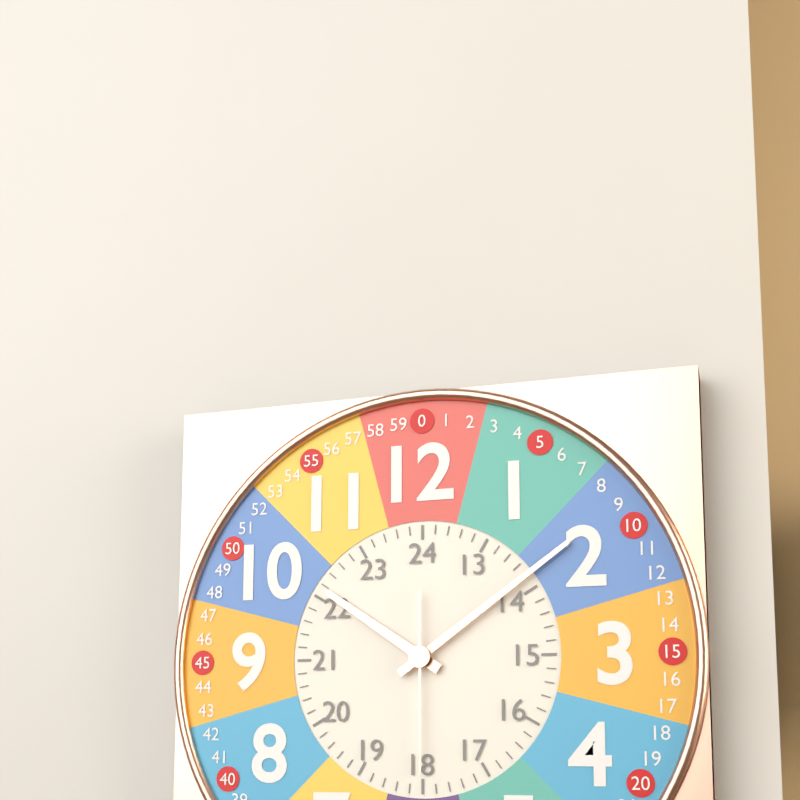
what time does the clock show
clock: 10:09:30
